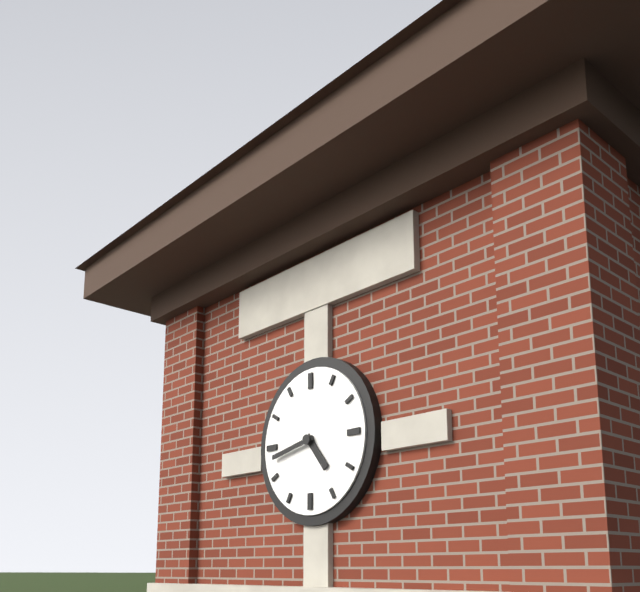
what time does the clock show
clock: 4:43
